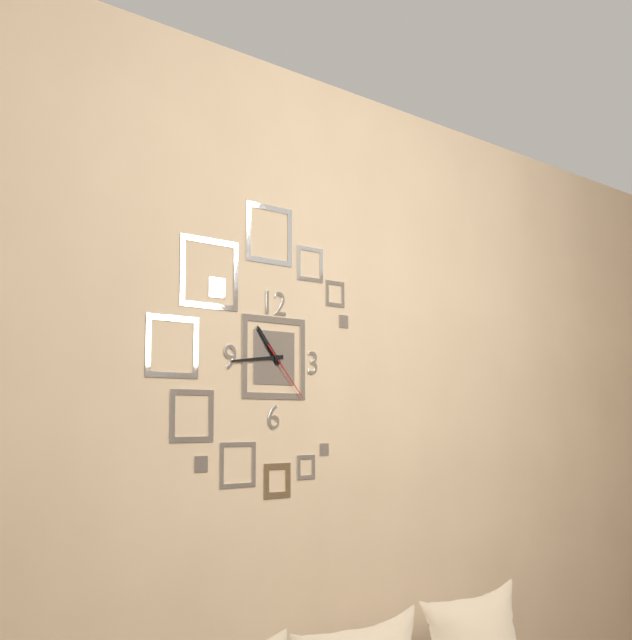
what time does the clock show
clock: 10:44:23
